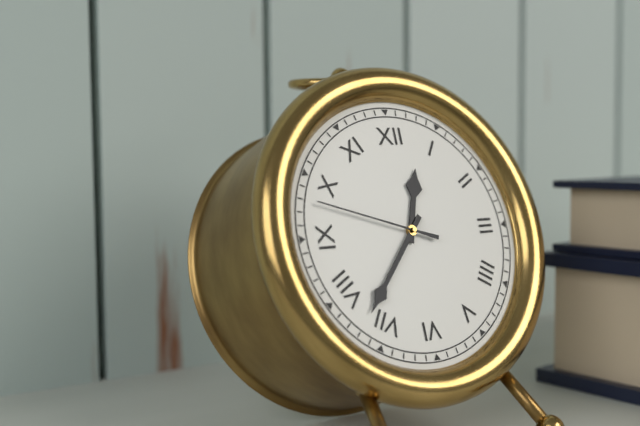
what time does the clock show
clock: 12:37:48
